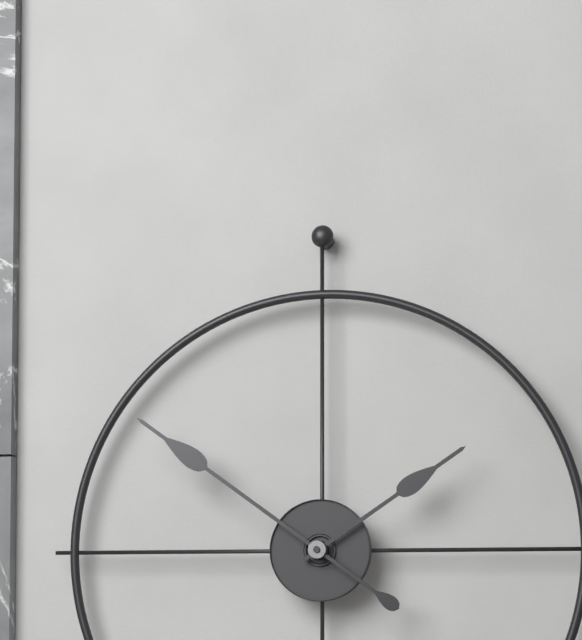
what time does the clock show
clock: 1:51
